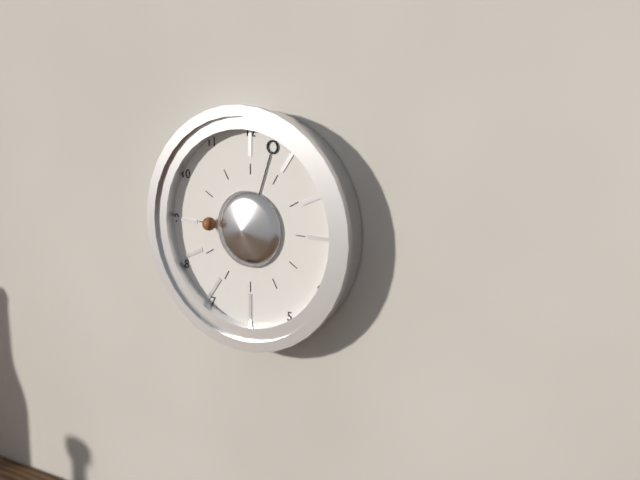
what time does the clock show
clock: 9:03
